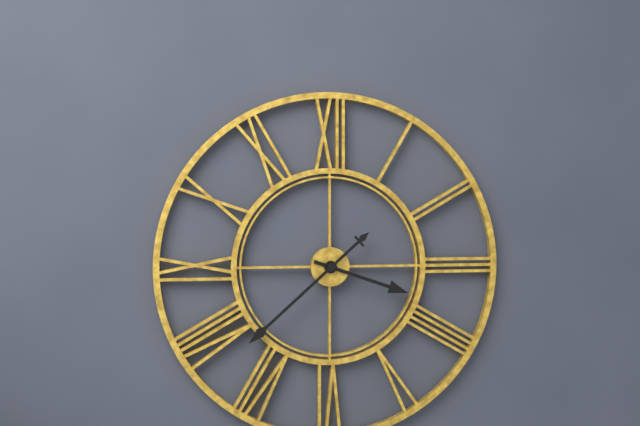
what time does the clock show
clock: 3:38
